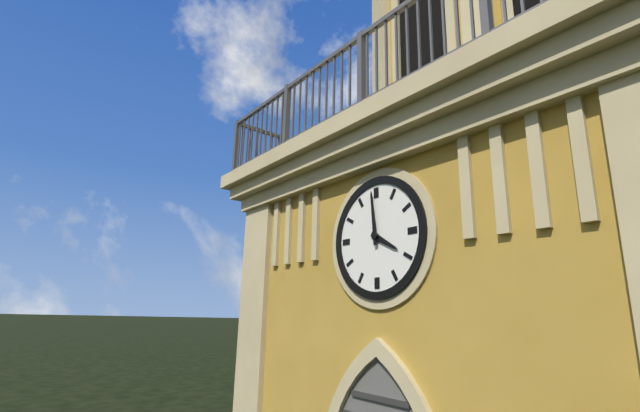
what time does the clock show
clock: 3:59
